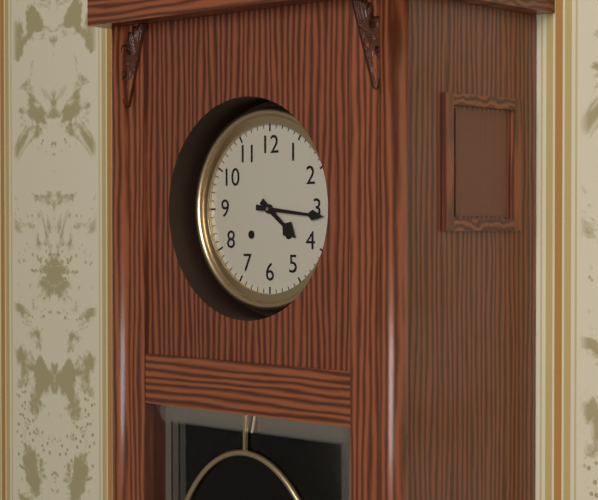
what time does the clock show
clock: 4:16
